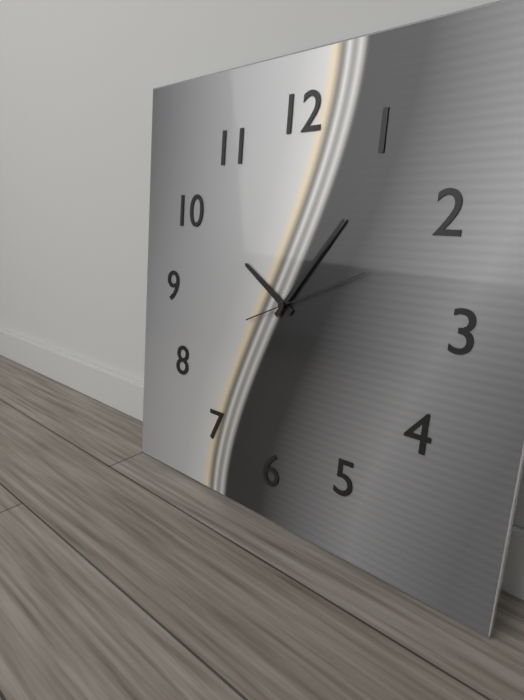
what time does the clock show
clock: 10:06:11
